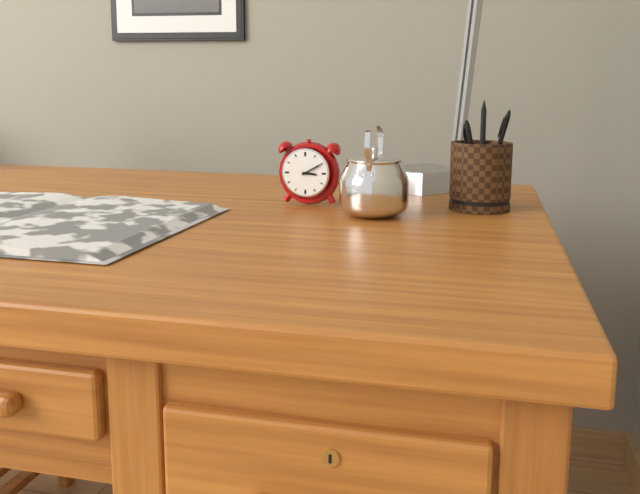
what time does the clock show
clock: 3:10
